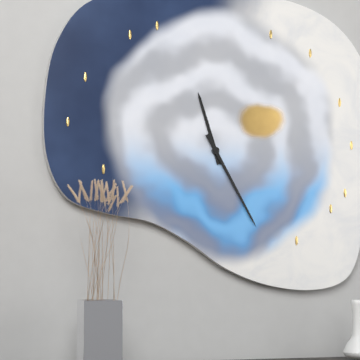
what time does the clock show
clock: 11:25
